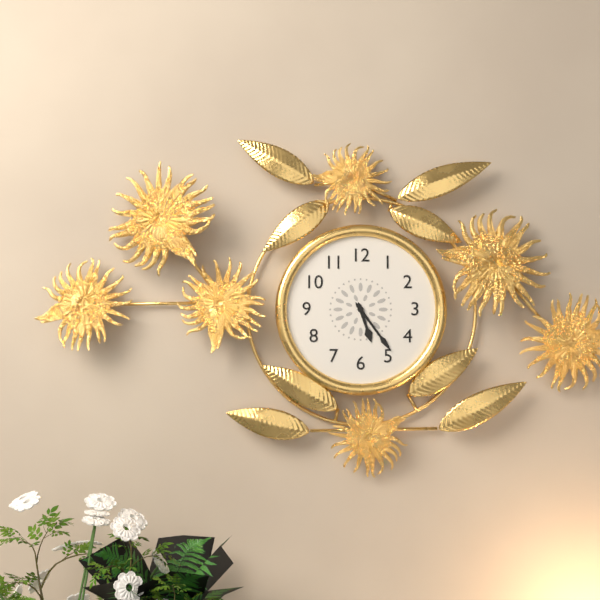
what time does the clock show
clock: 5:24
